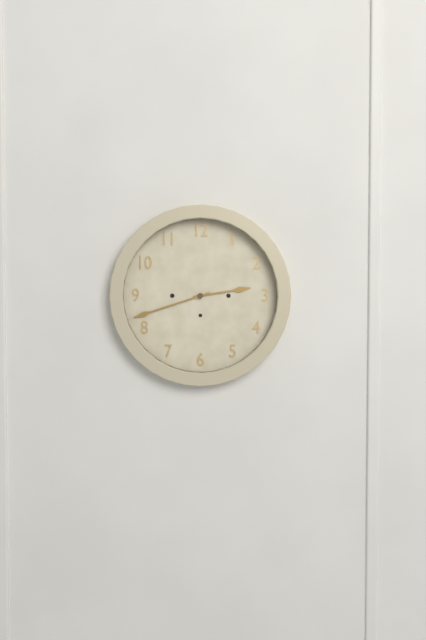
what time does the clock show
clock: 2:42
